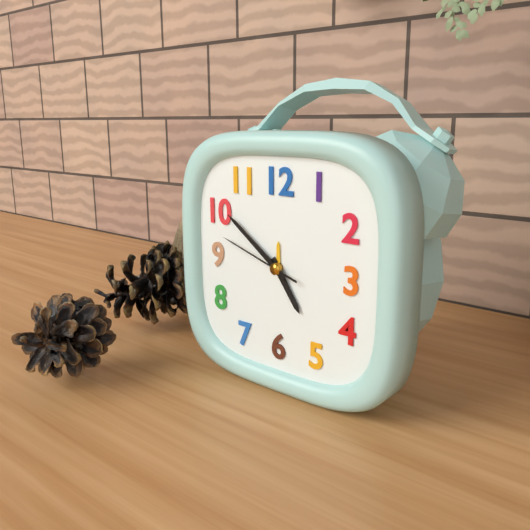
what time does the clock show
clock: 4:51:48
